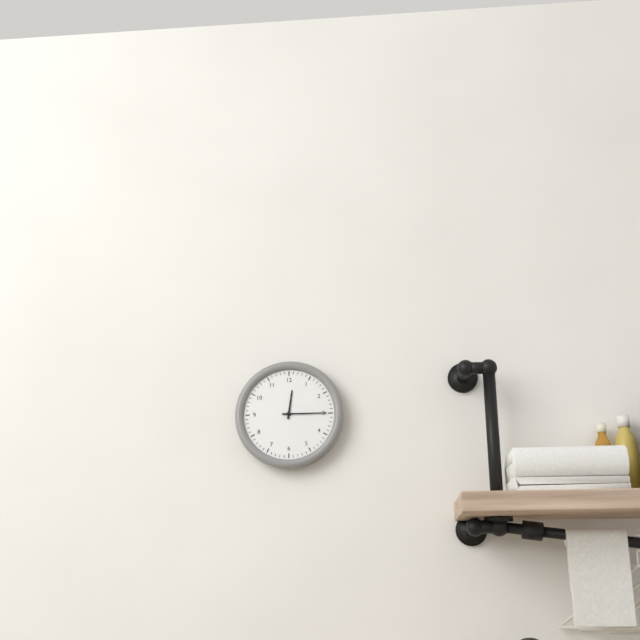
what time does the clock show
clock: 12:15
